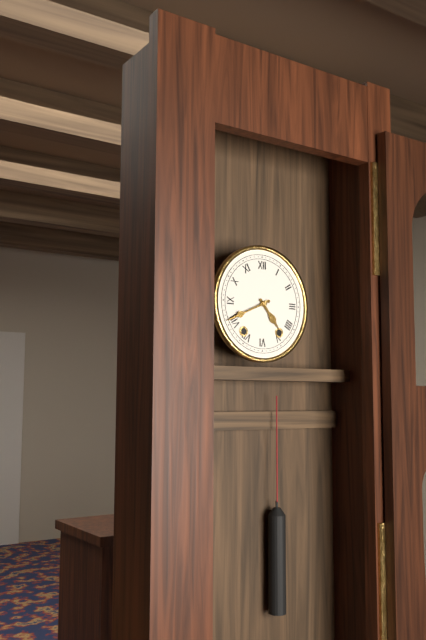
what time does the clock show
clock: 4:41
